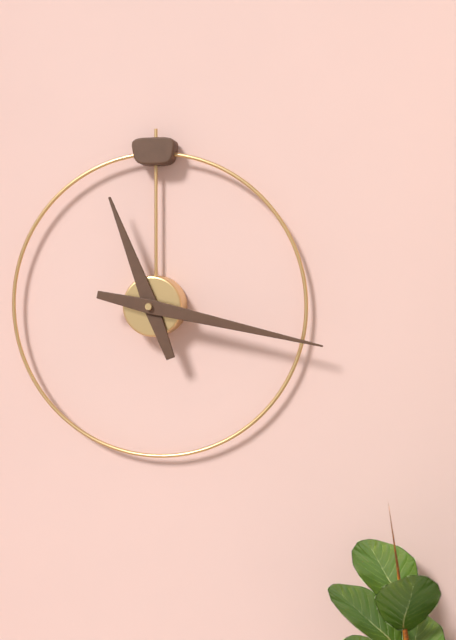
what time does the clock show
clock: 11:17
